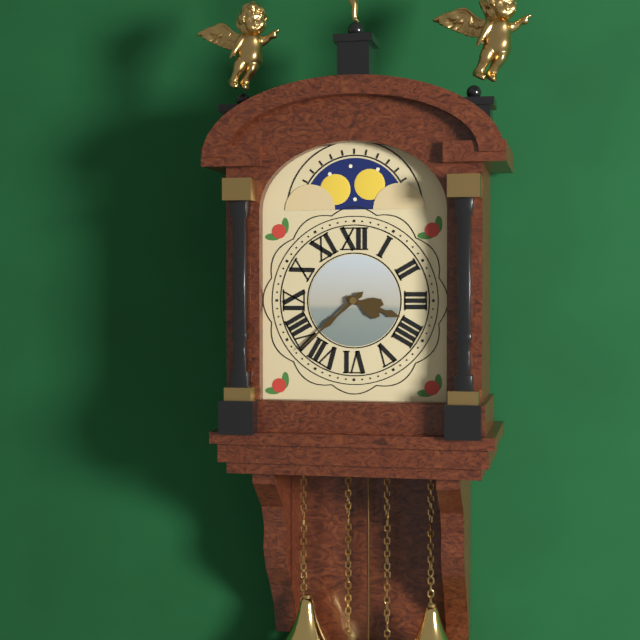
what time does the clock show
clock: 3:38
